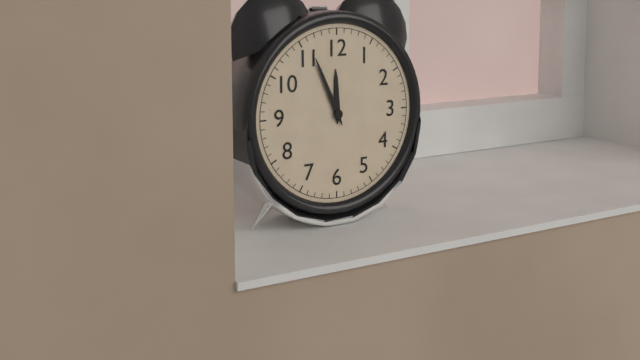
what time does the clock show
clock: 11:56
